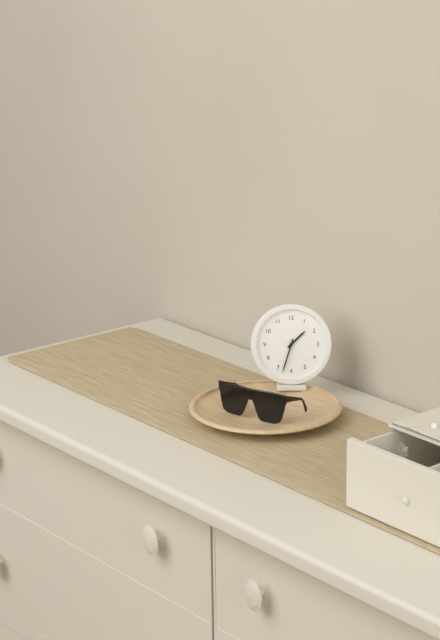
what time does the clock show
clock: 1:33
